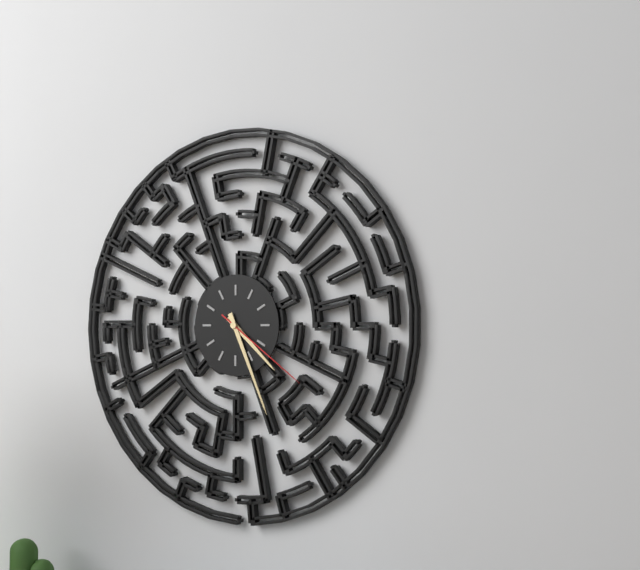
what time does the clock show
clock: 4:26:21
